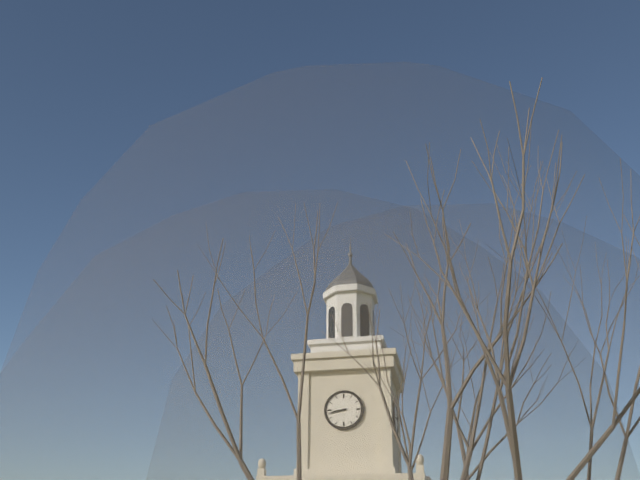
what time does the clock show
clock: 8:43
